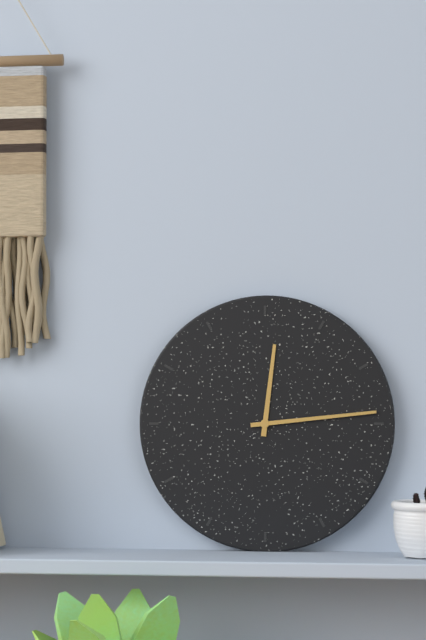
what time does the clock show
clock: 12:14
